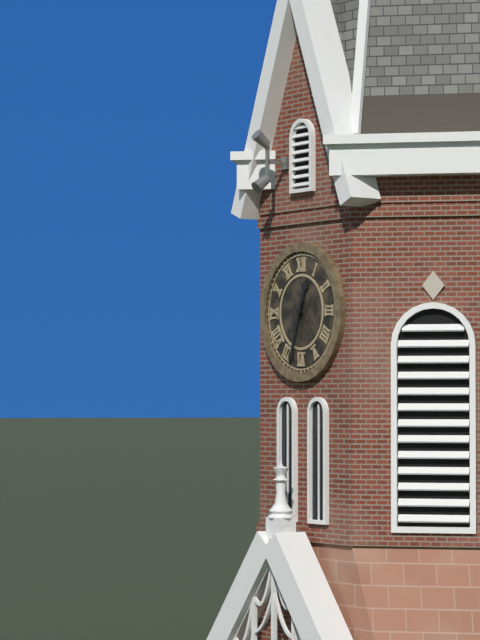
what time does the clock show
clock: 12:33
